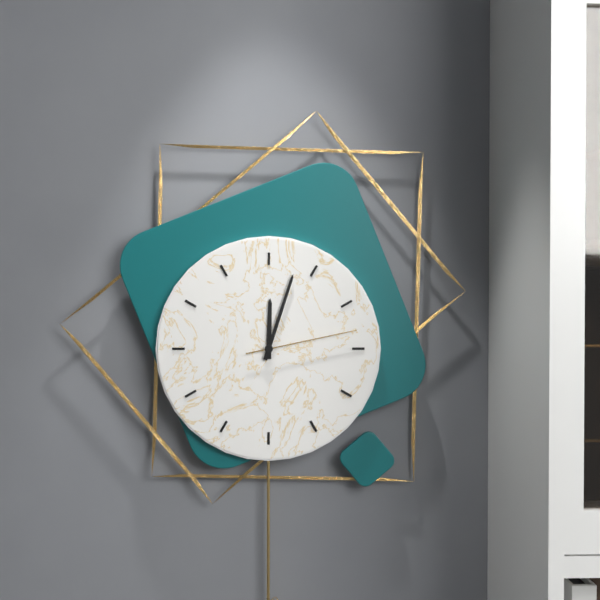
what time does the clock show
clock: 12:03:13
